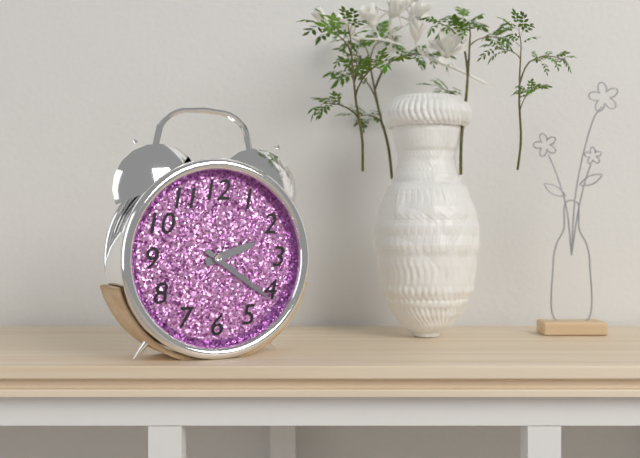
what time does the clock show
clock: 2:21
